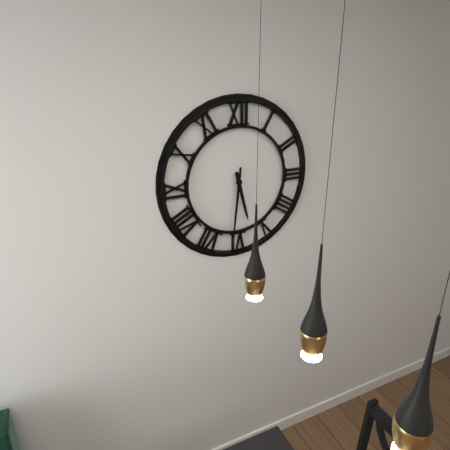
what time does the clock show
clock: 5:31
